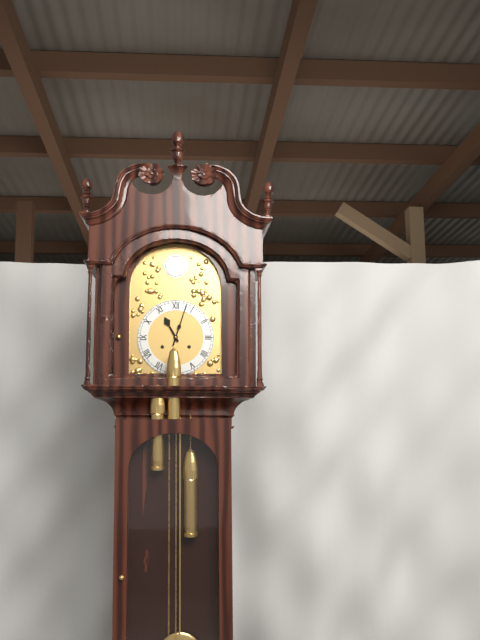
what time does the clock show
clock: 11:03
